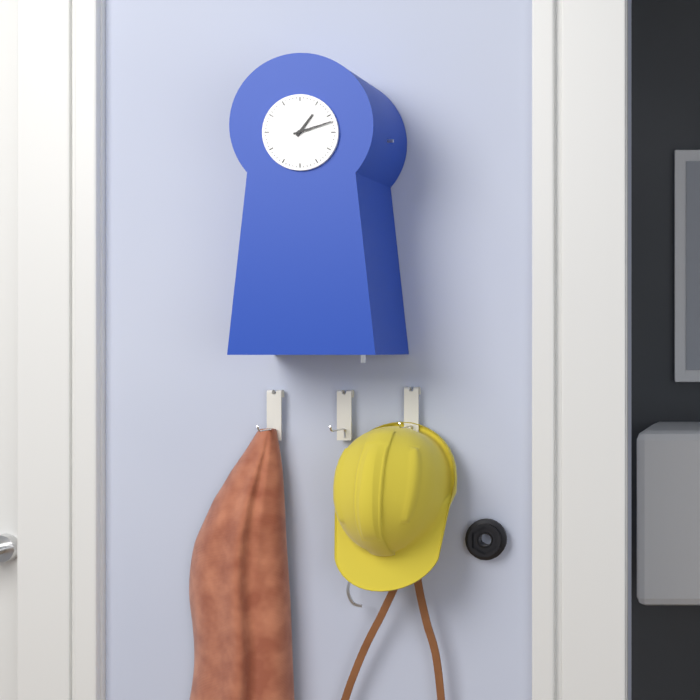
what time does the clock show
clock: 1:12
